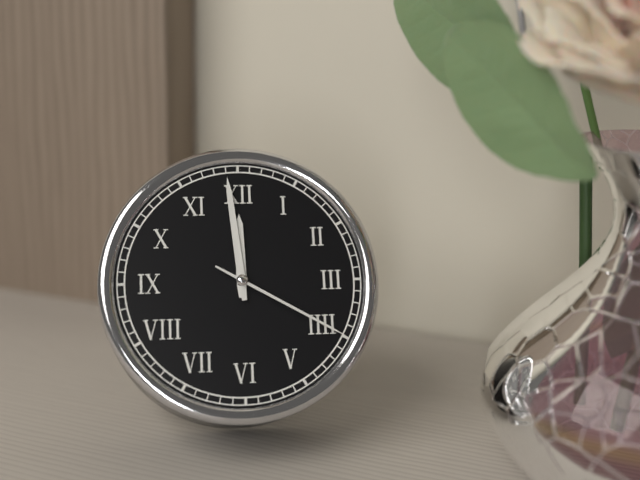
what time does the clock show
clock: 11:59:20
